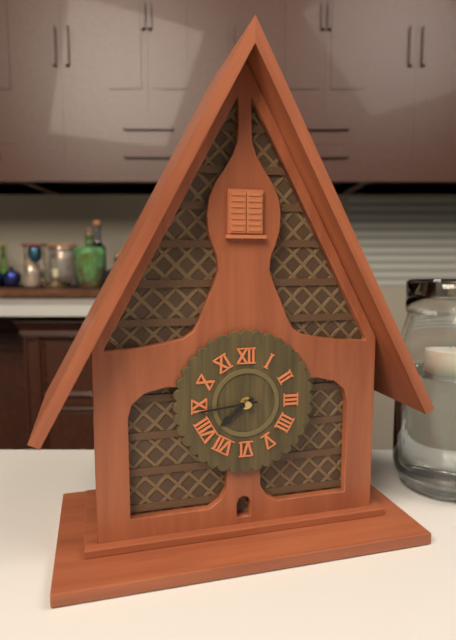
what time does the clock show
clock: 7:44
